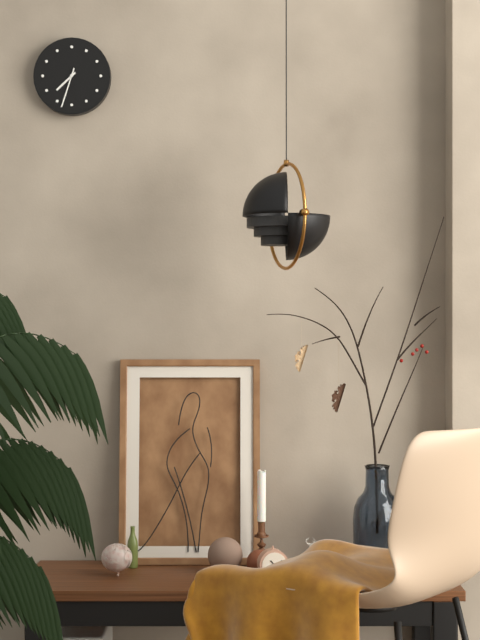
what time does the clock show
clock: 7:33
